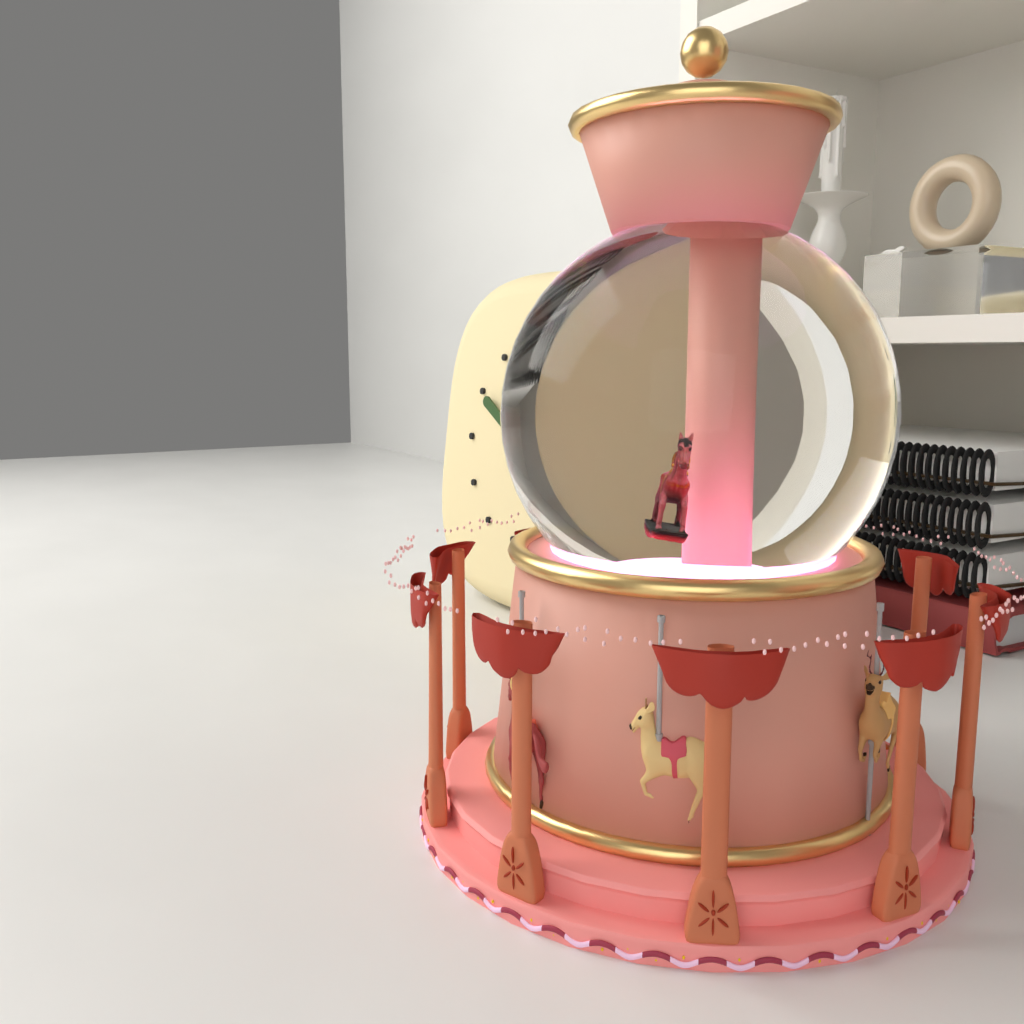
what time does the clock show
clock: 1:50
